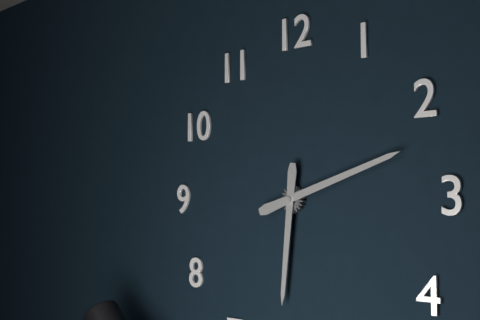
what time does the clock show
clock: 6:12
